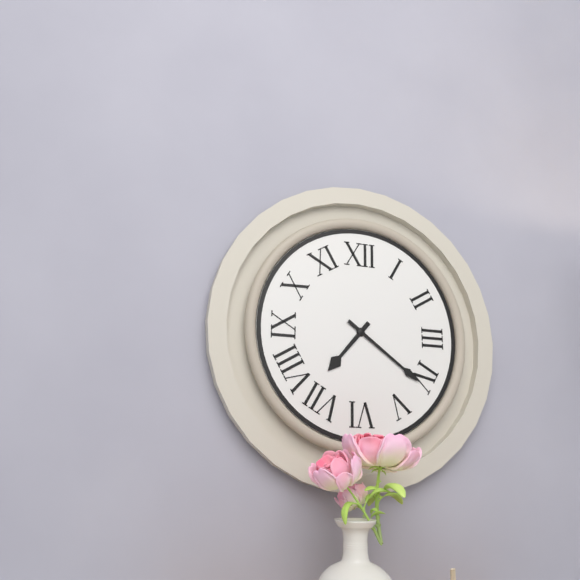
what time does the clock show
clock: 7:21
